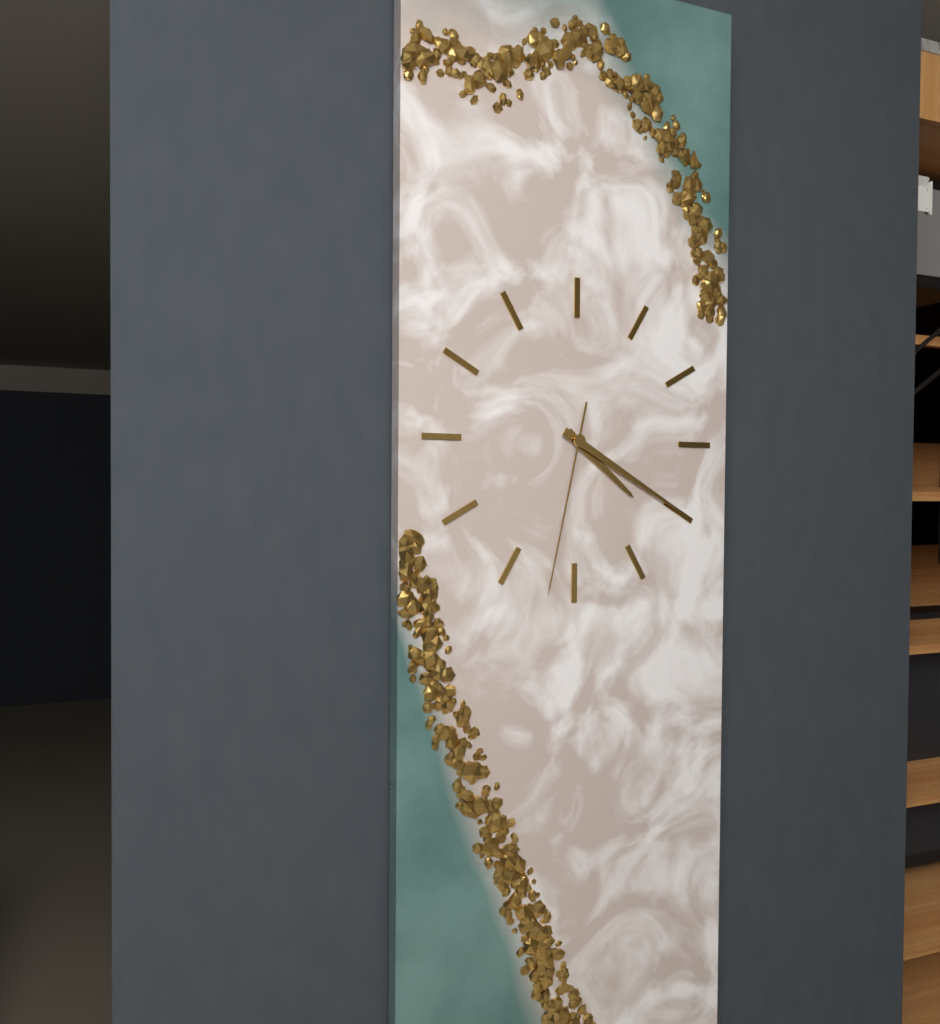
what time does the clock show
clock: 4:20:32
